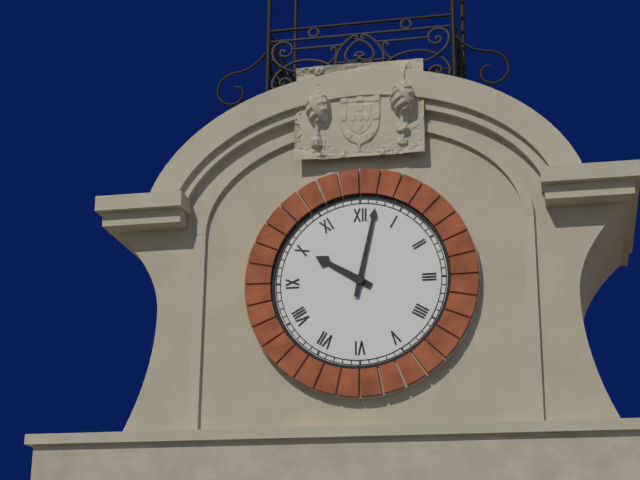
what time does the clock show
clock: 10:02
